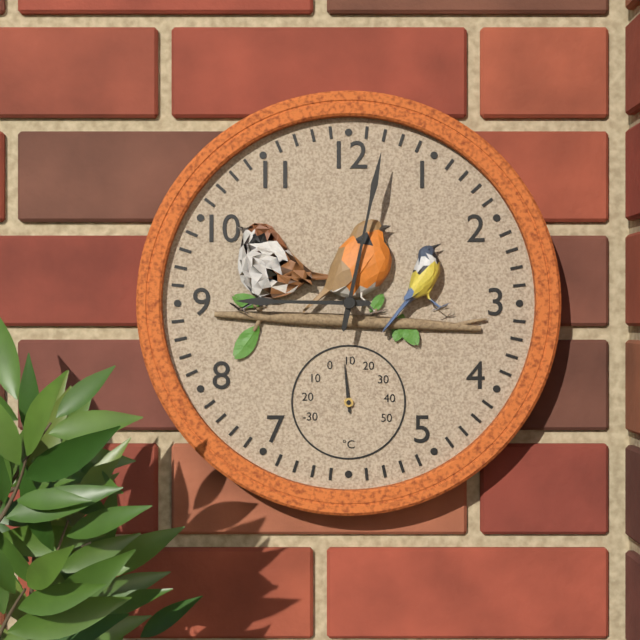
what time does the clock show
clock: 9:02
